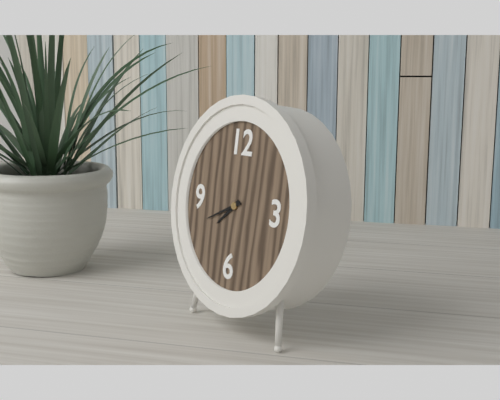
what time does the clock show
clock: 7:41
